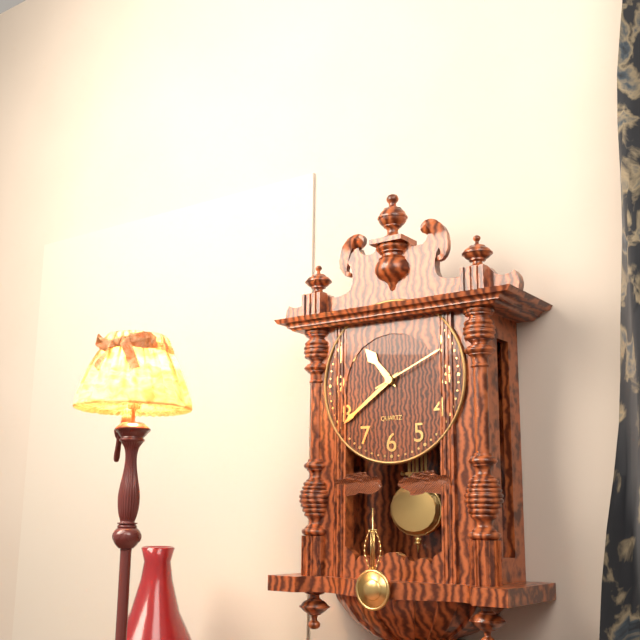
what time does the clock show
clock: 10:39:11
